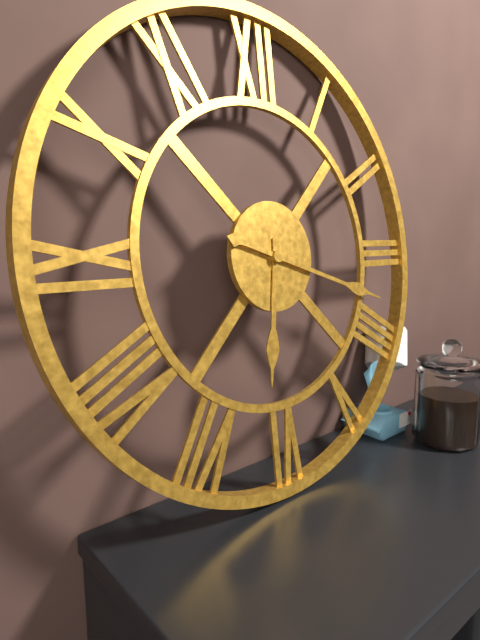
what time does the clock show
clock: 6:18
